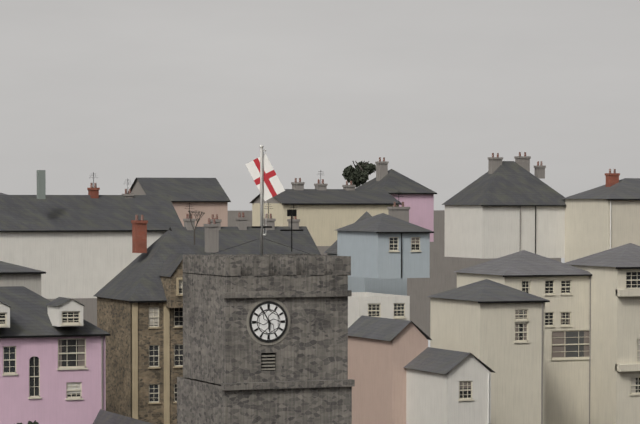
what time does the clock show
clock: 5:55
